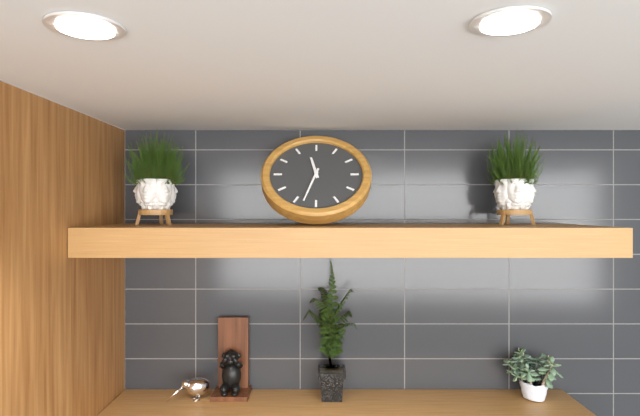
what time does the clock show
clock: 11:33
